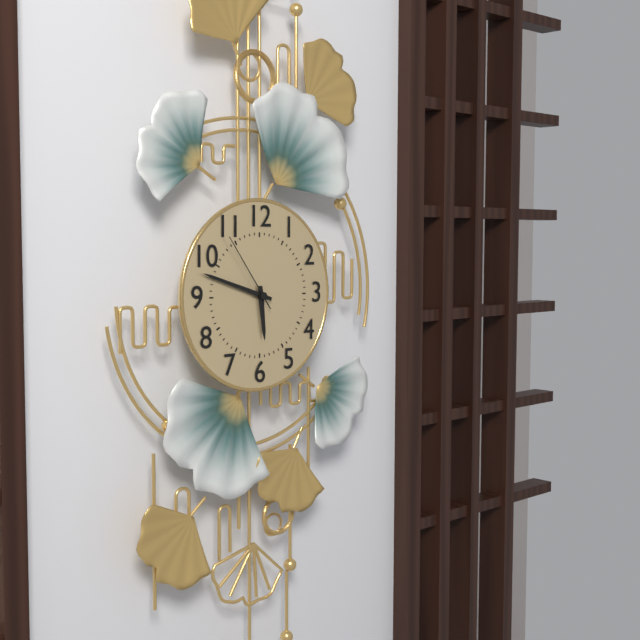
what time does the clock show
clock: 5:48:54
